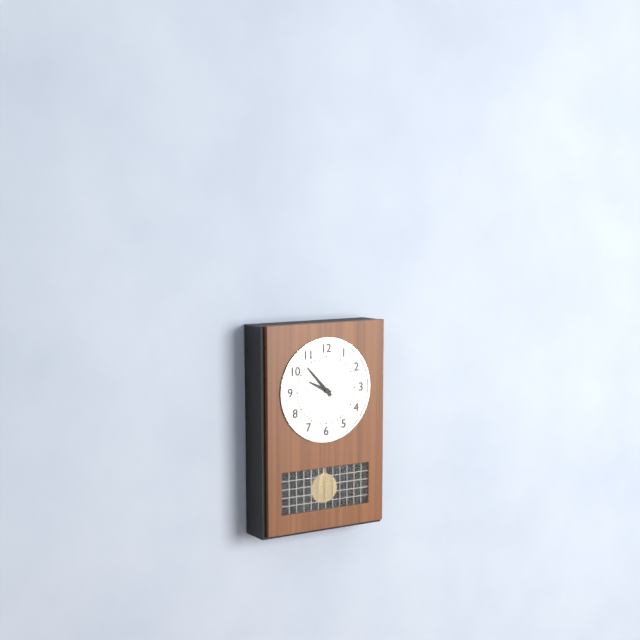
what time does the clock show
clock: 9:53
